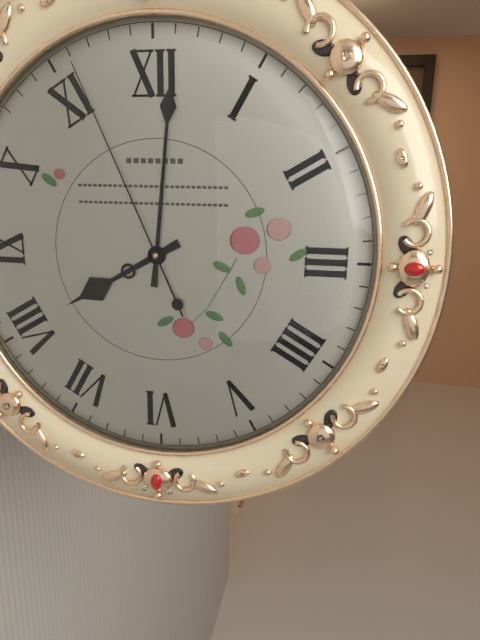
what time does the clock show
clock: 8:01:56
